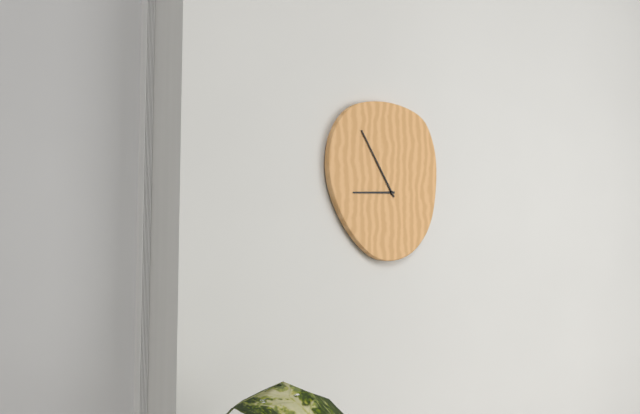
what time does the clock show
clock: 8:54
